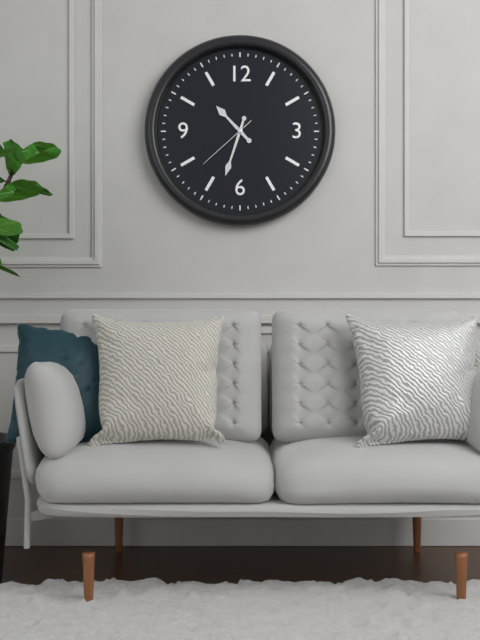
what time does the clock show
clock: 10:33:38
